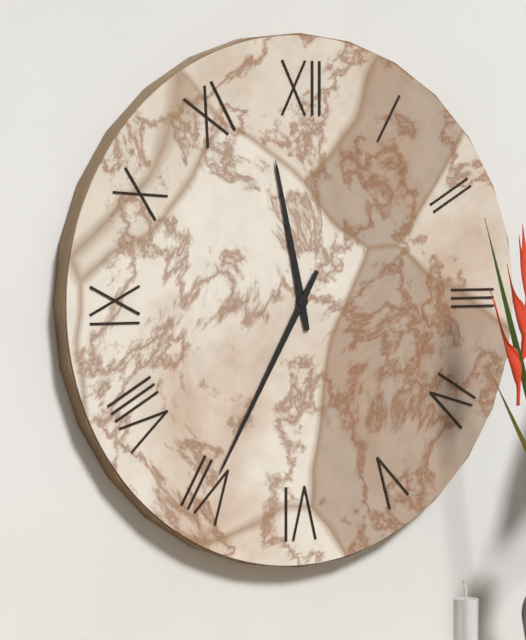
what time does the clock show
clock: 11:35
